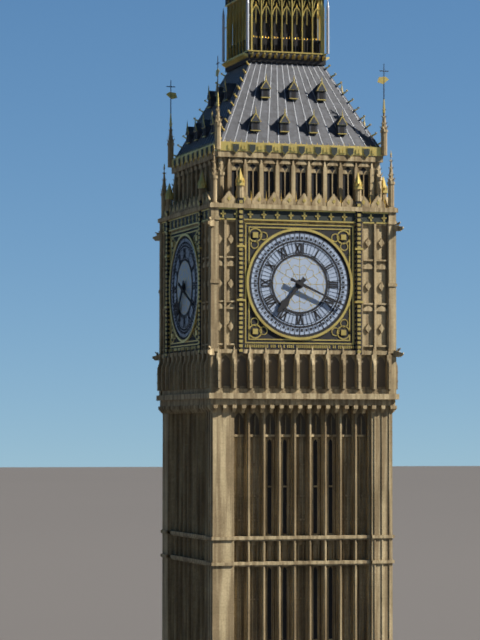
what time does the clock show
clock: 7:19
